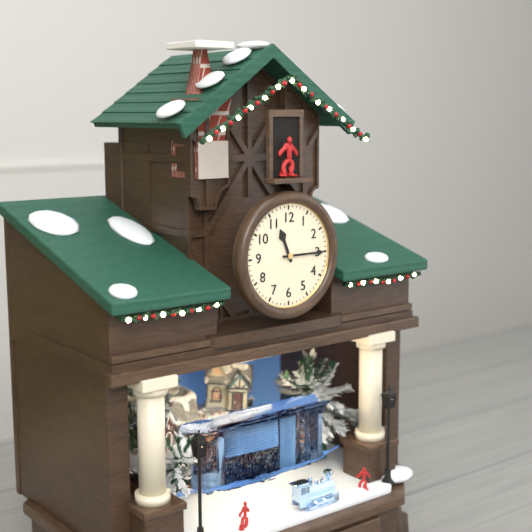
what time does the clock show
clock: 11:15
